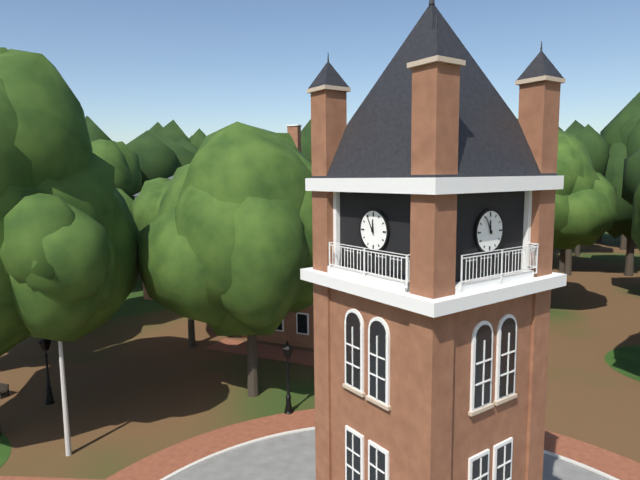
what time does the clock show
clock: 11:55
